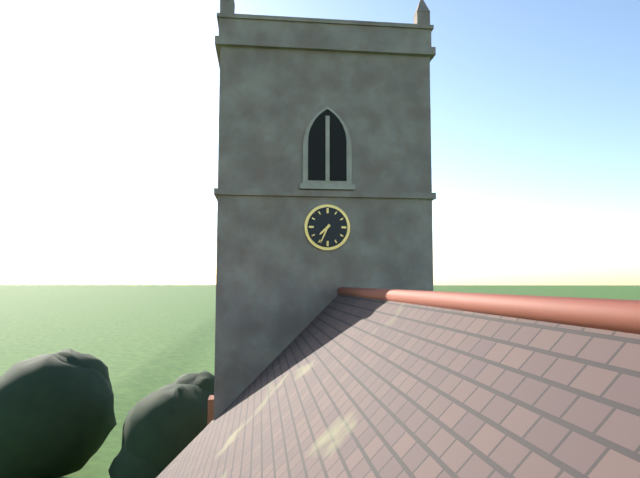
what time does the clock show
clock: 7:34
